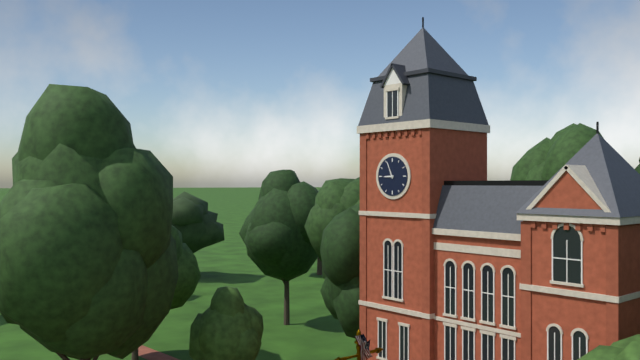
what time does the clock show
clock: 8:56
